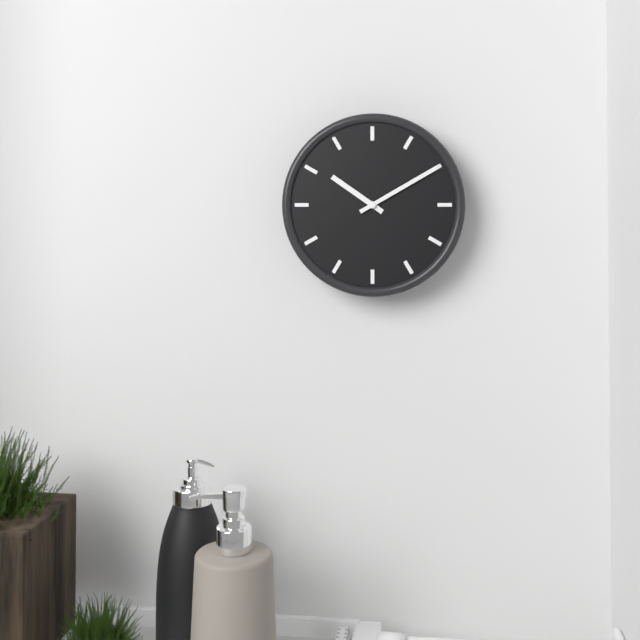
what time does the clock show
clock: 10:10
